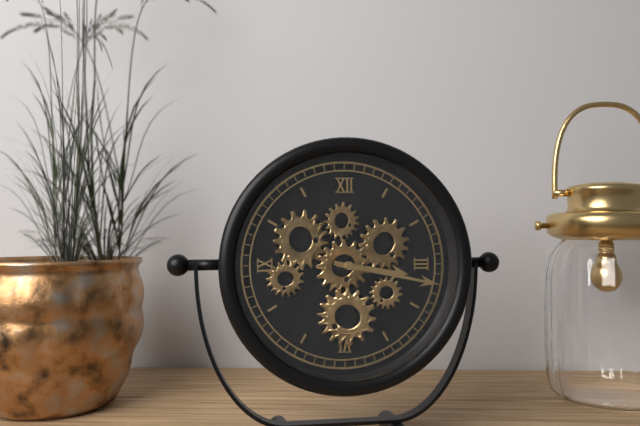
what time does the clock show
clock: 3:17
